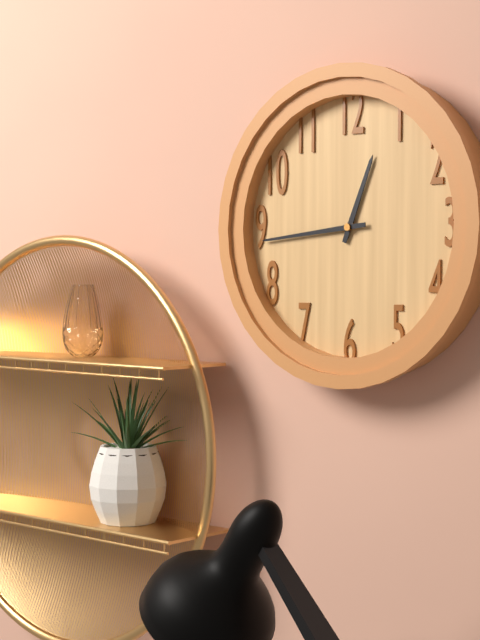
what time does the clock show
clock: 12:44
